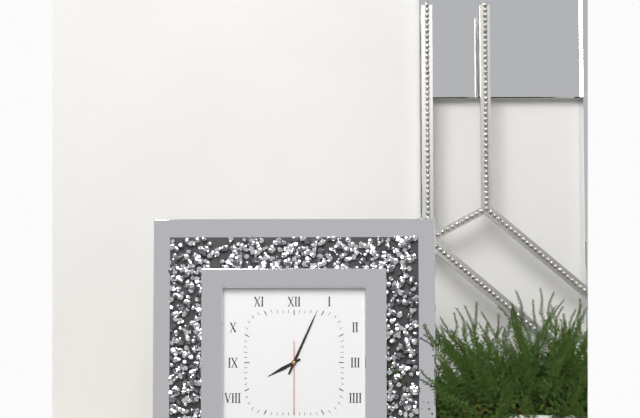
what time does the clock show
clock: 8:04:30
